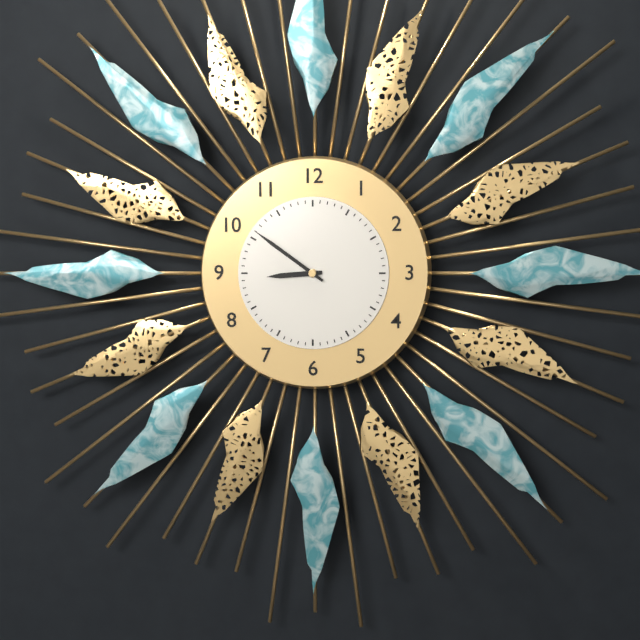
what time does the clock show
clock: 8:51
